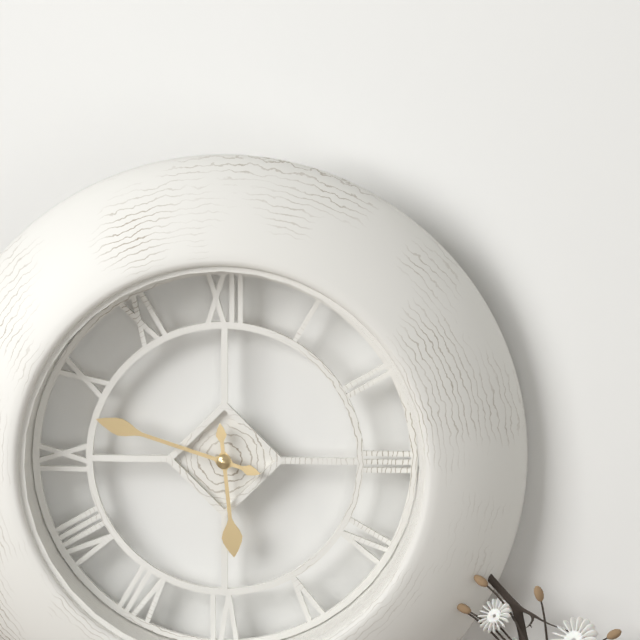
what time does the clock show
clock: 5:48
